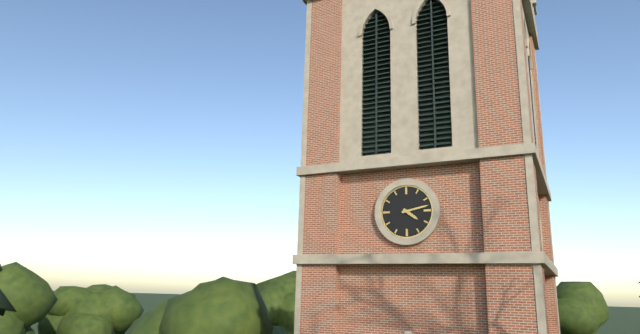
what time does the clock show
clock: 4:13
